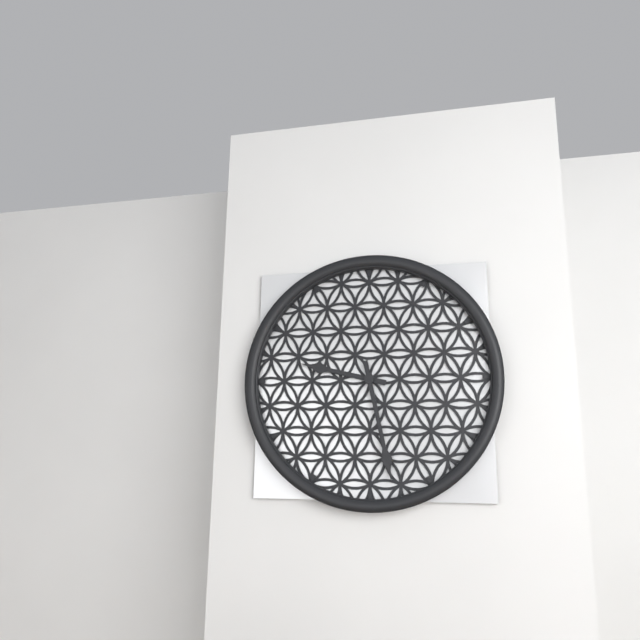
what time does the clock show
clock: 9:28
